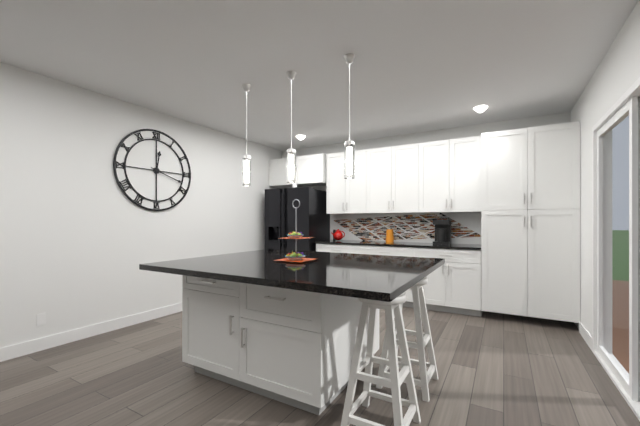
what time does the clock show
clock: 12:18
